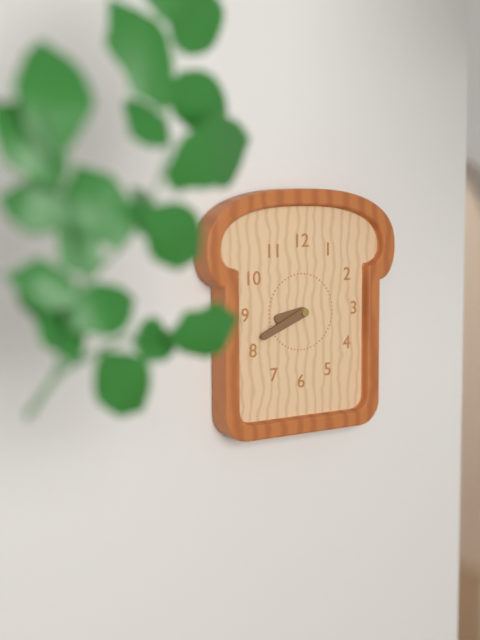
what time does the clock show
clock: 8:41
